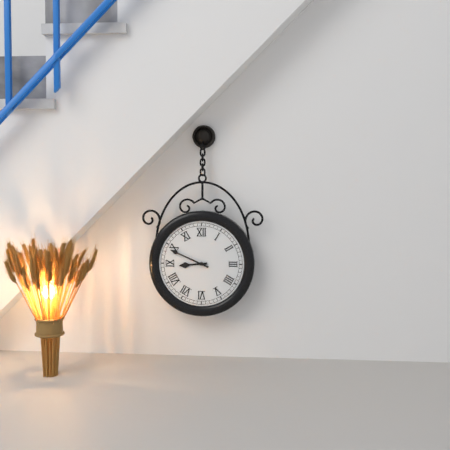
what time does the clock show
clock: 8:49
